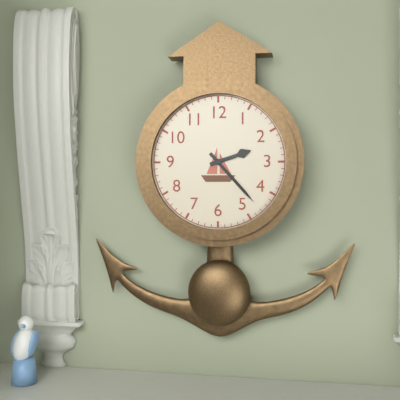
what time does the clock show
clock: 2:23
